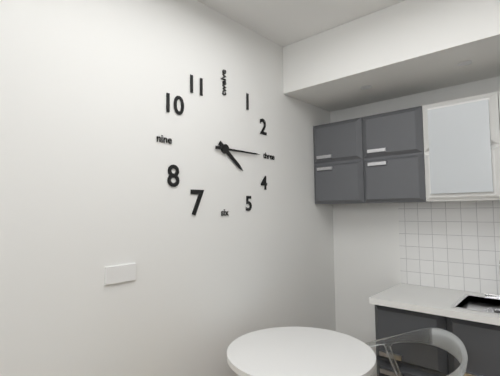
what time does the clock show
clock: 4:15
